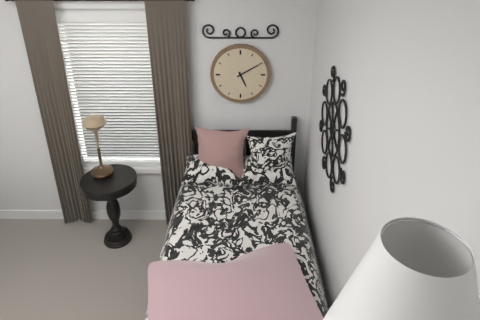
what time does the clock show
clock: 5:10
